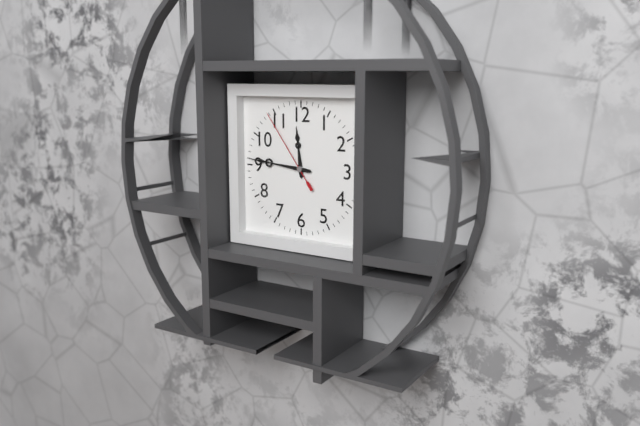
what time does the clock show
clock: 11:46:54
